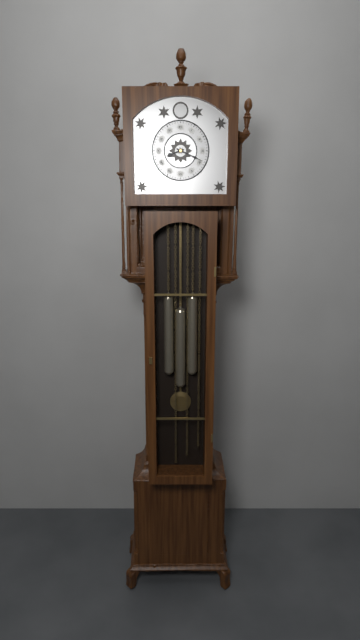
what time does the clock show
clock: 8:19
